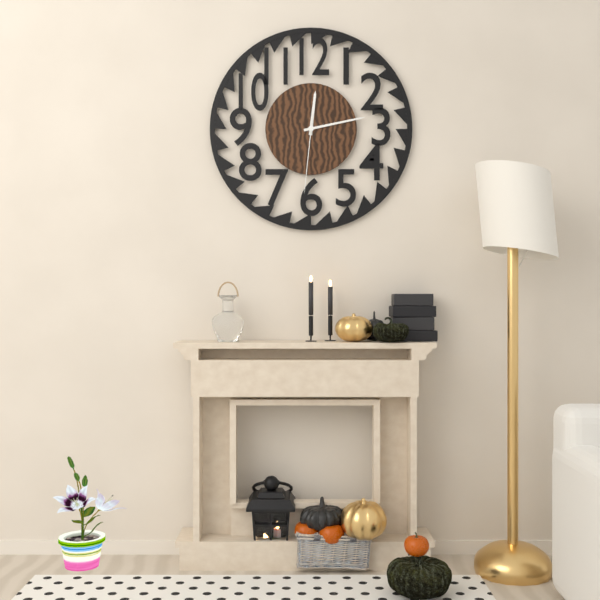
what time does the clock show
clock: 12:13:31
